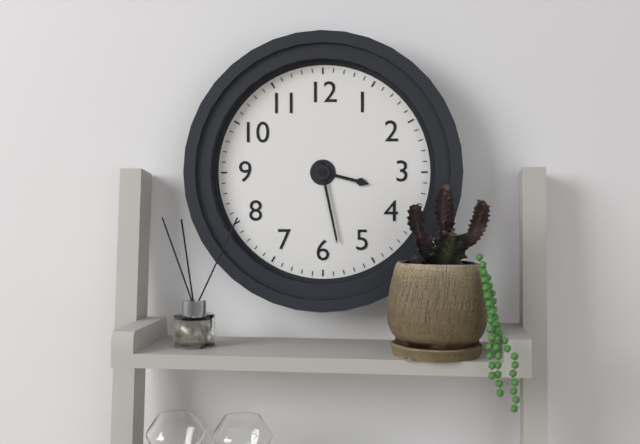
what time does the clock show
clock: 3:28
